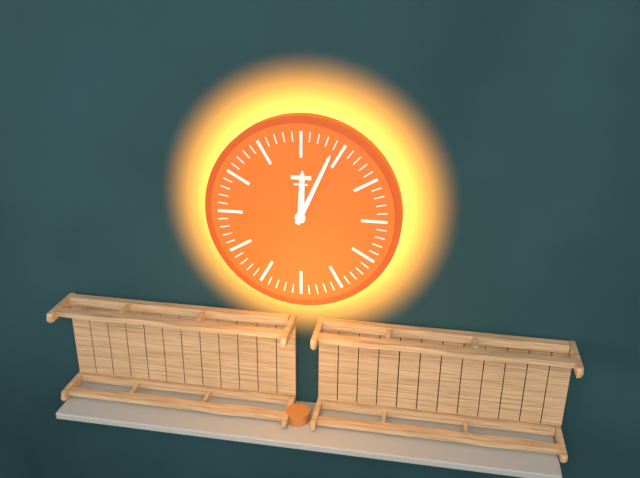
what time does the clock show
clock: 12:04
